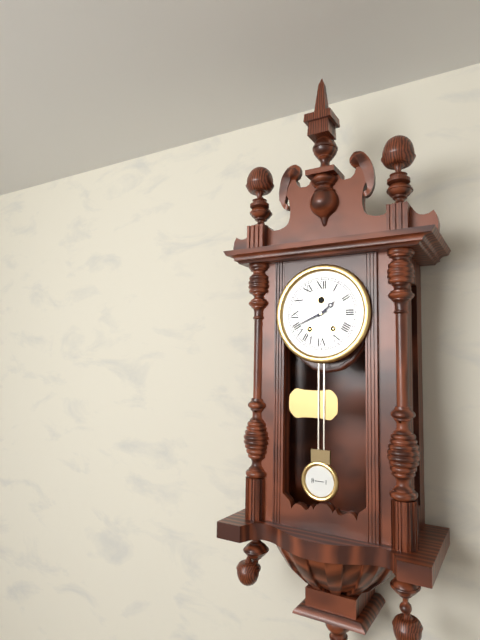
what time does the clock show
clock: 1:41
